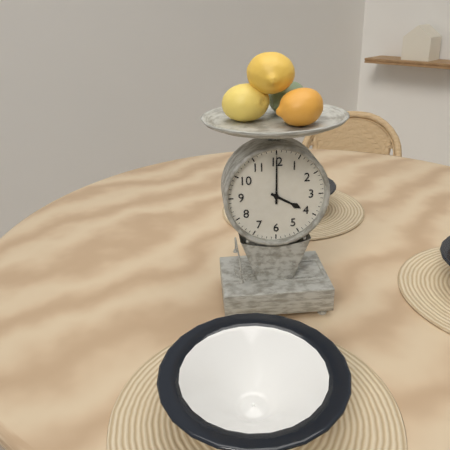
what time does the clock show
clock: 4:00
